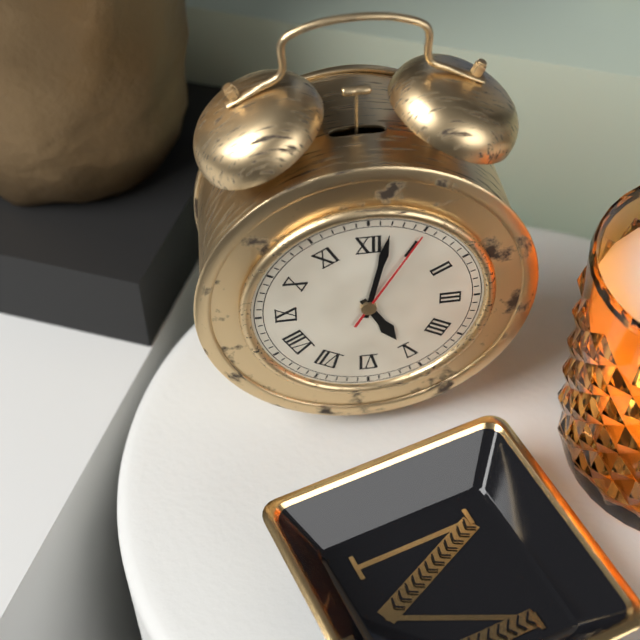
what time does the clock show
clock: 5:02:05
